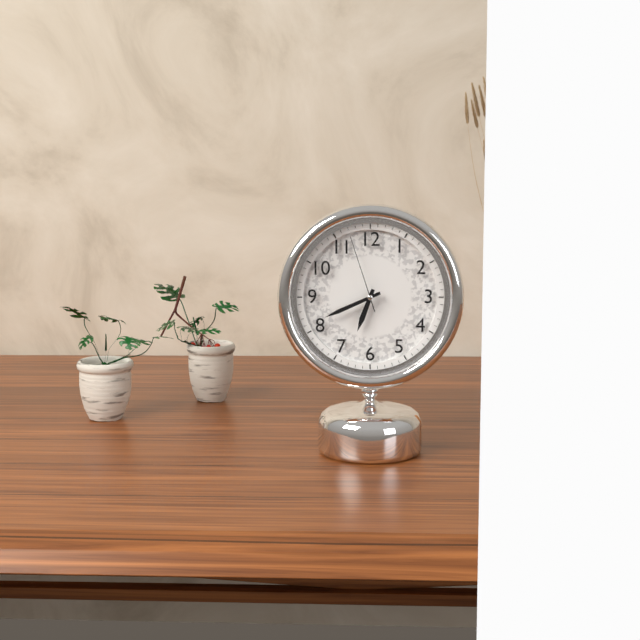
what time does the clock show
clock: 6:41:57
